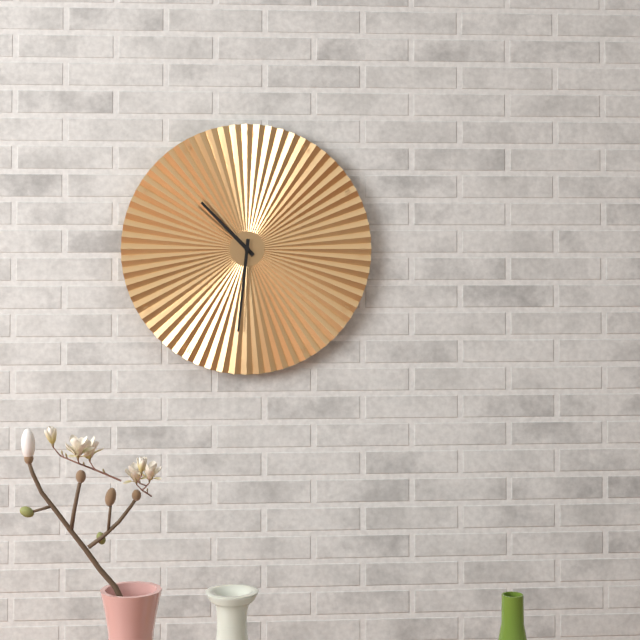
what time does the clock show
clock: 10:31
